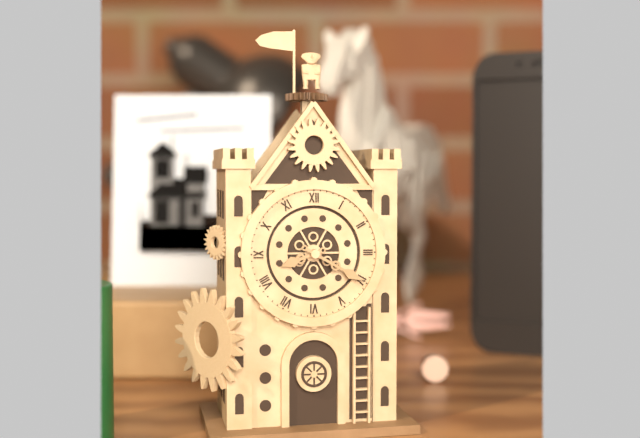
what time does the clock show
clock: 8:20
